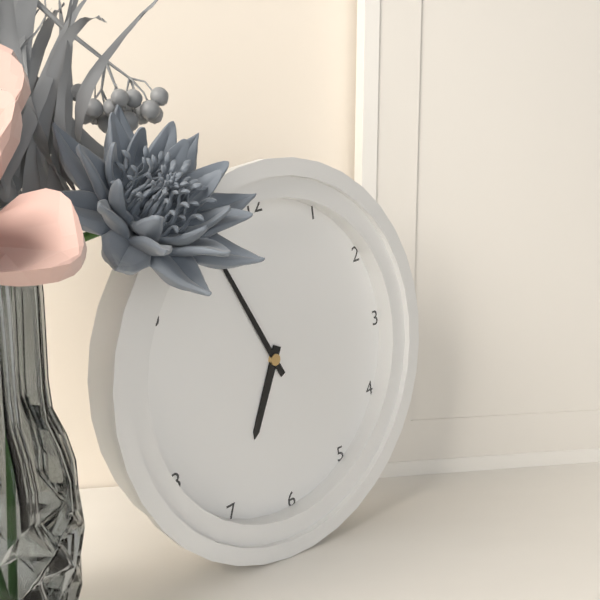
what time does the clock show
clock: 6:56
